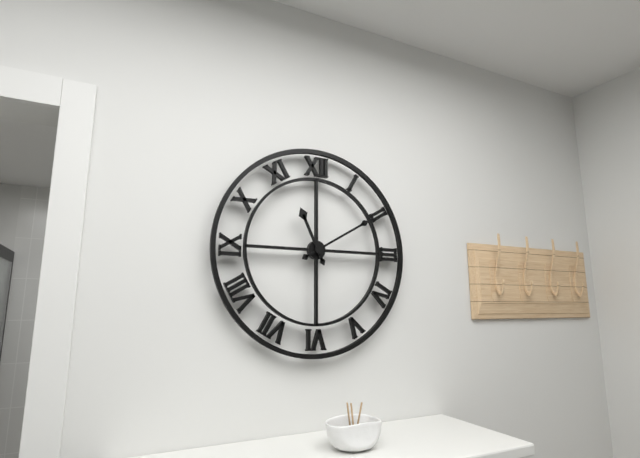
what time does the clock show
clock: 11:10
